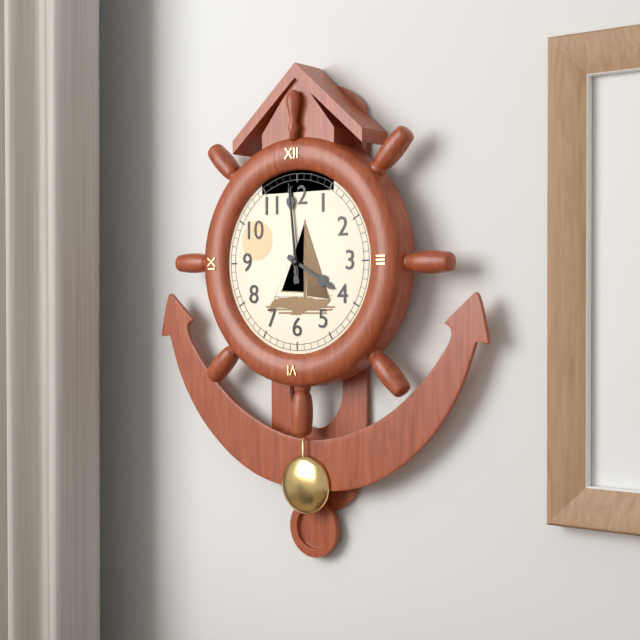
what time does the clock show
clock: 3:59:59
